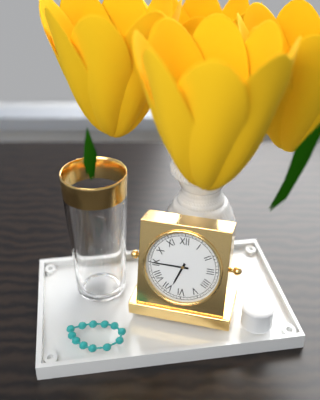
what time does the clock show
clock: 6:45
